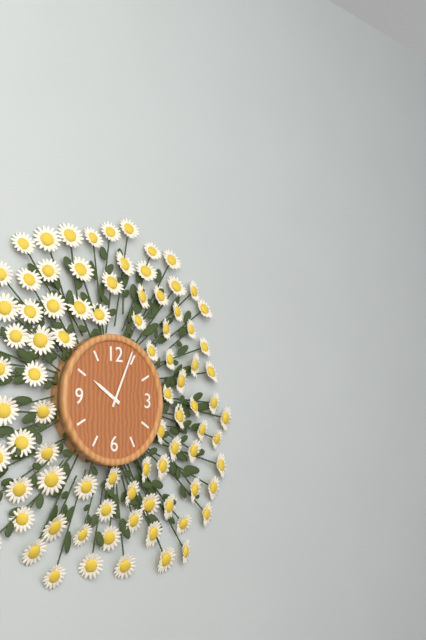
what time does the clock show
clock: 10:04
